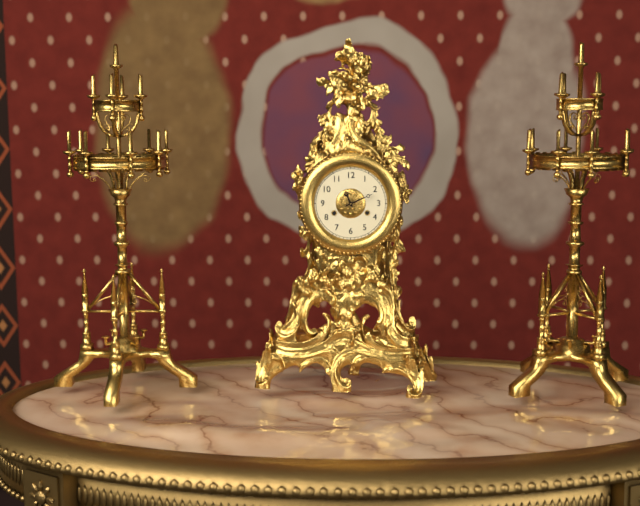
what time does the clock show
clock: 11:11
